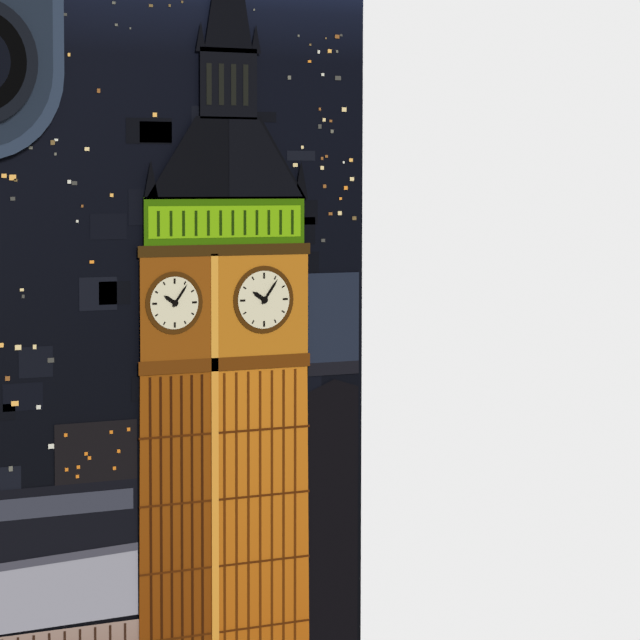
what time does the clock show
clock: 10:06
